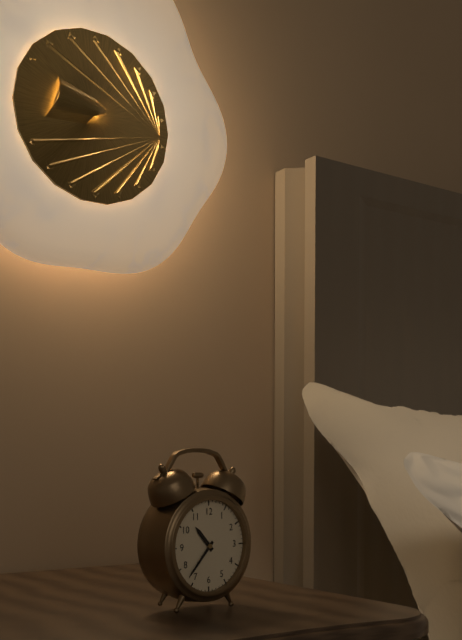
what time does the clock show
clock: 10:37
